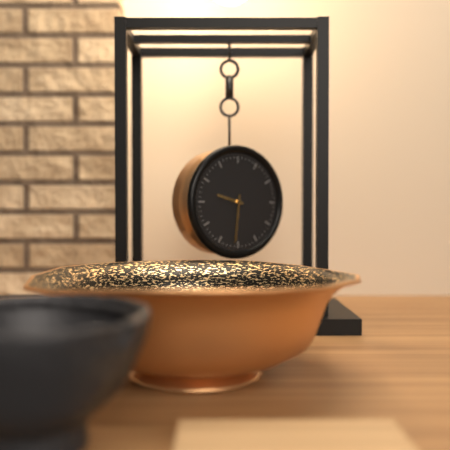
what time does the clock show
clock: 9:31
